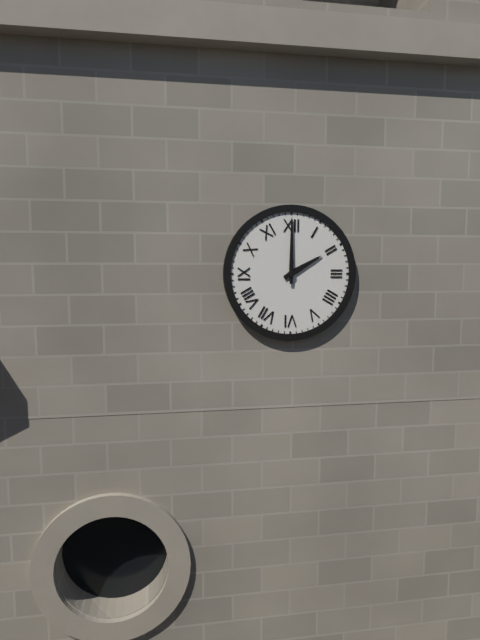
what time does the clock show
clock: 2:00
